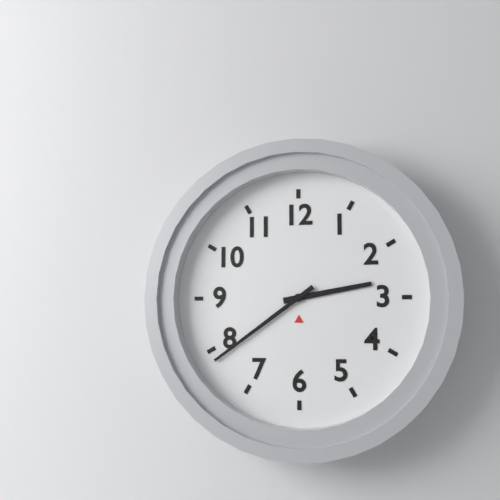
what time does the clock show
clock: 2:39
